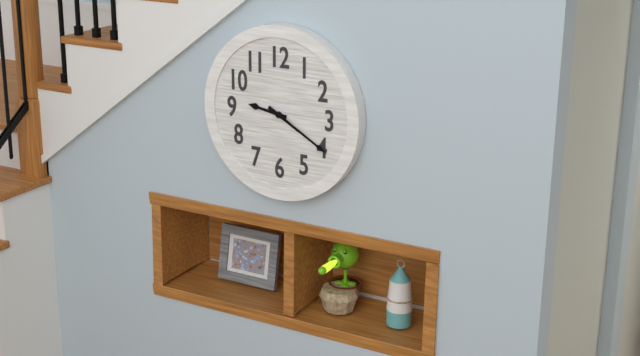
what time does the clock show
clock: 9:20
